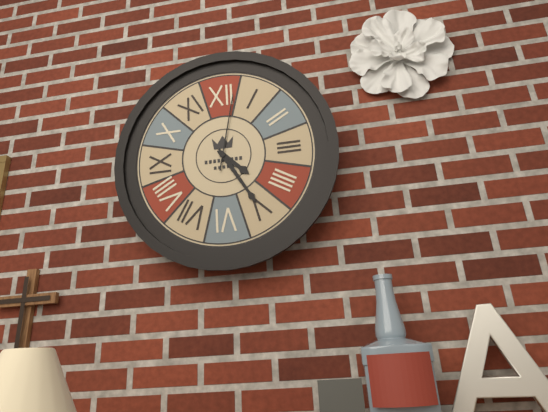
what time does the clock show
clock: 4:25:02
